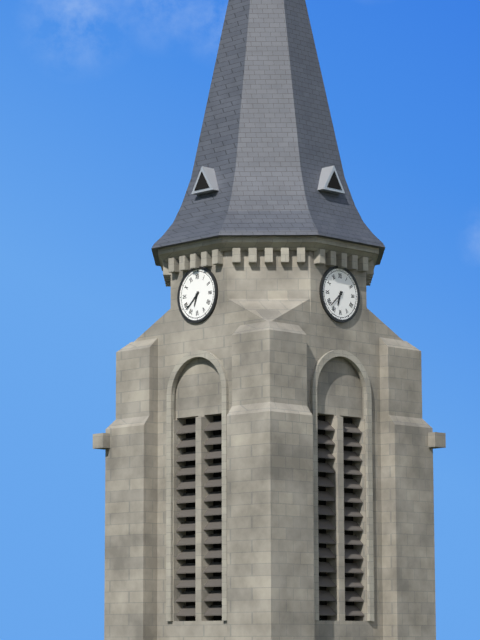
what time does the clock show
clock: 6:38
